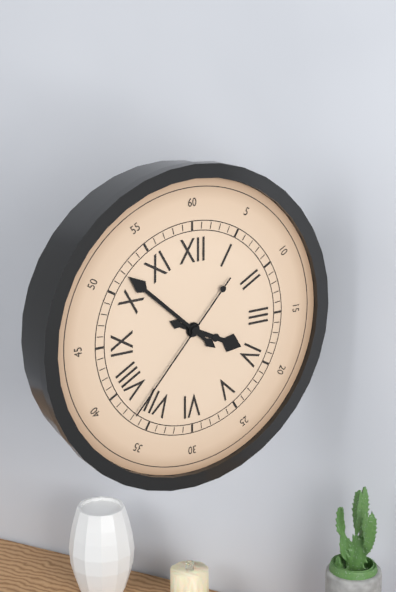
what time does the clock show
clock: 3:52:37
